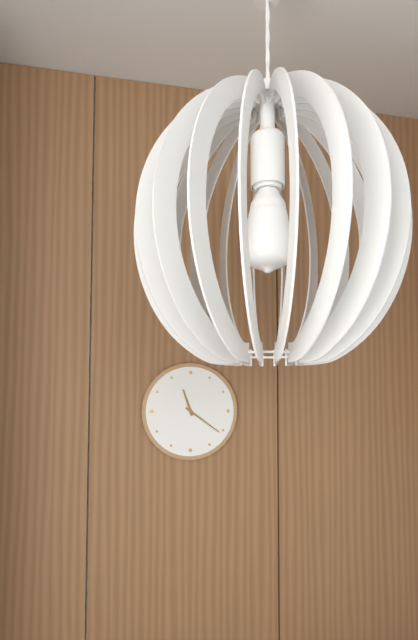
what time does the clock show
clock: 11:21
